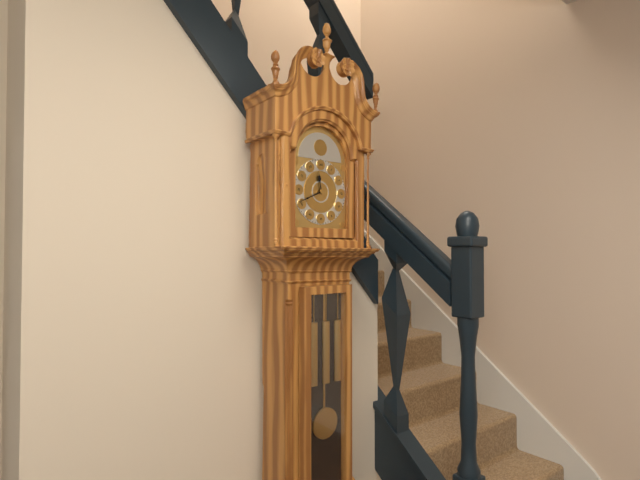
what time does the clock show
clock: 11:41
